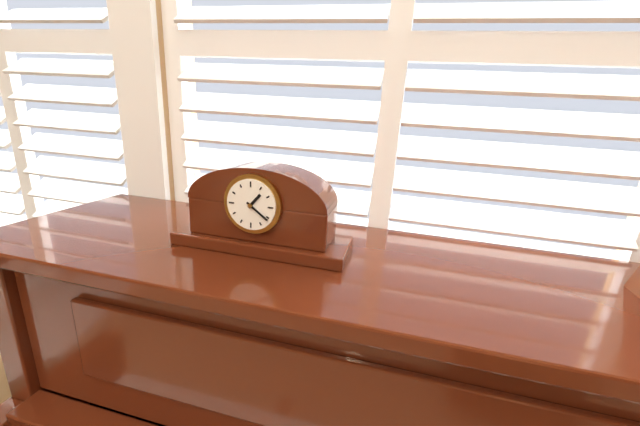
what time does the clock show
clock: 1:21
